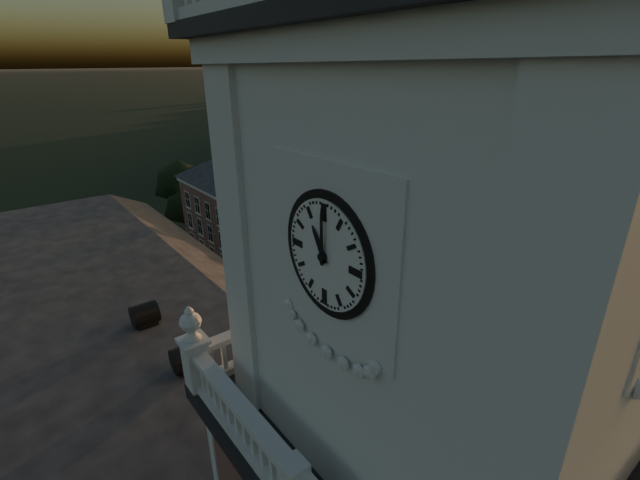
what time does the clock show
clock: 11:00
